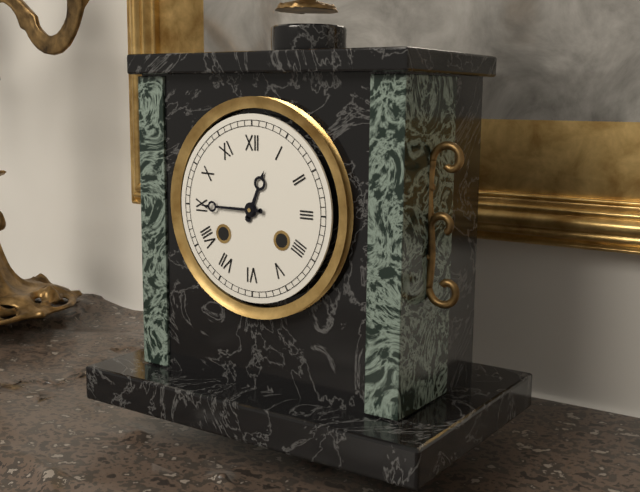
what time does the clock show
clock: 12:45
